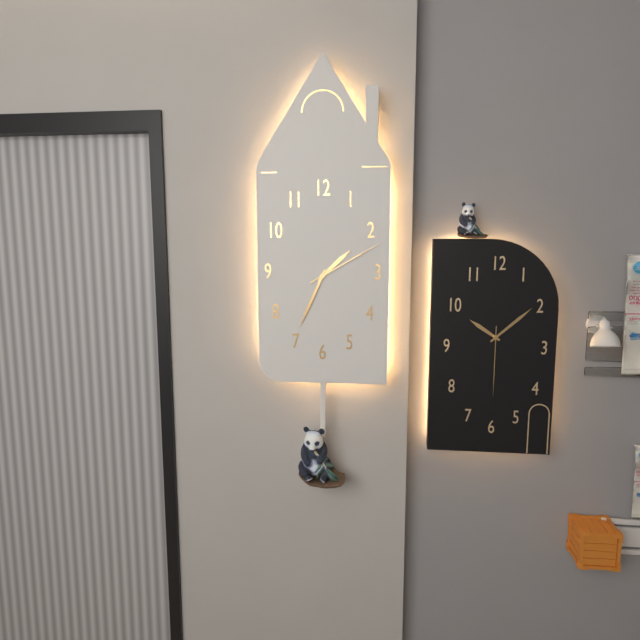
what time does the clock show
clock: 1:34:10
